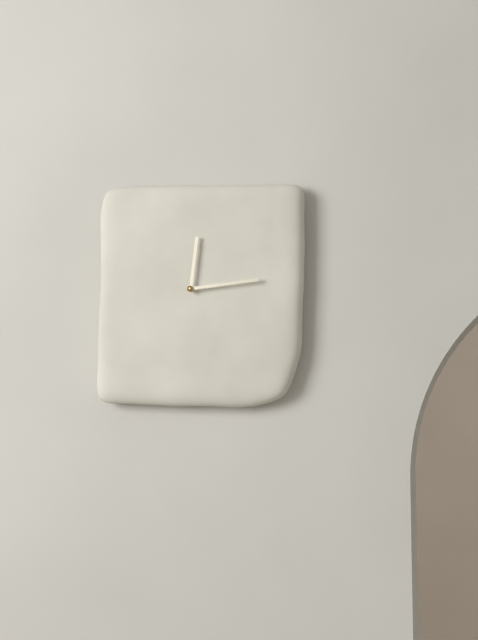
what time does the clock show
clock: 12:14
